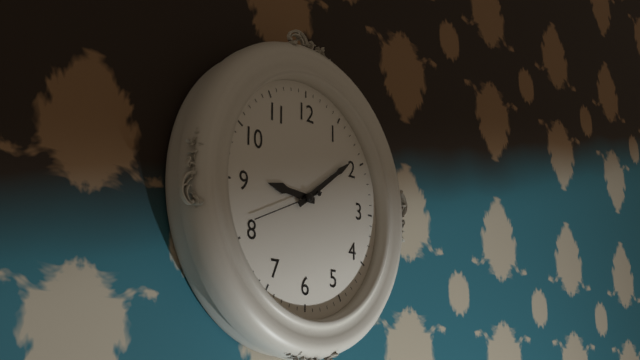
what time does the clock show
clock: 9:09:41
